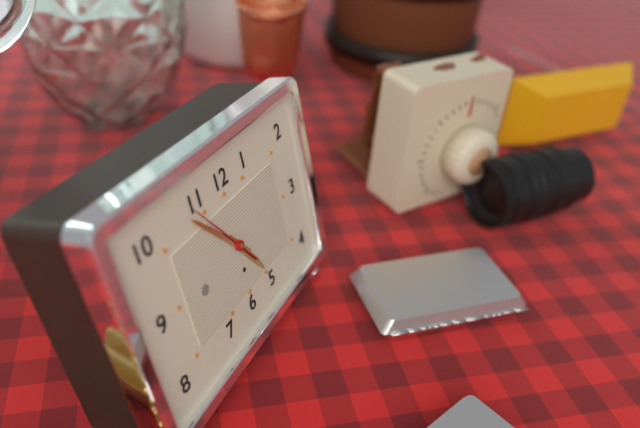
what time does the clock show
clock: 4:53:54
